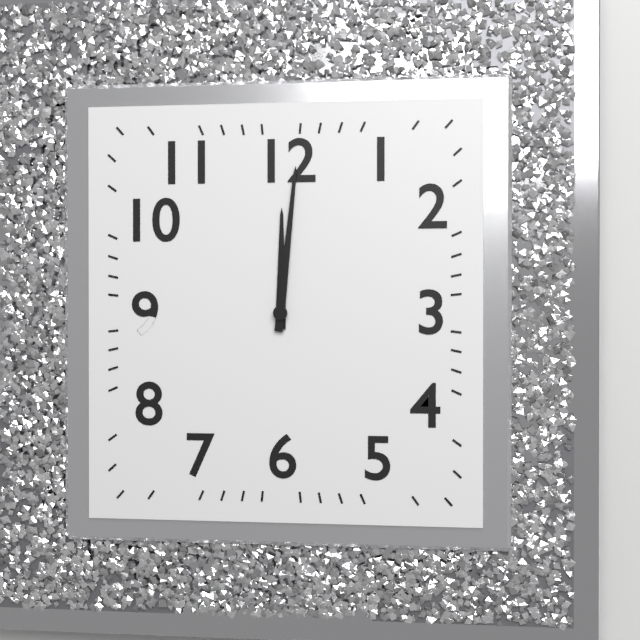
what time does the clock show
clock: 12:01
